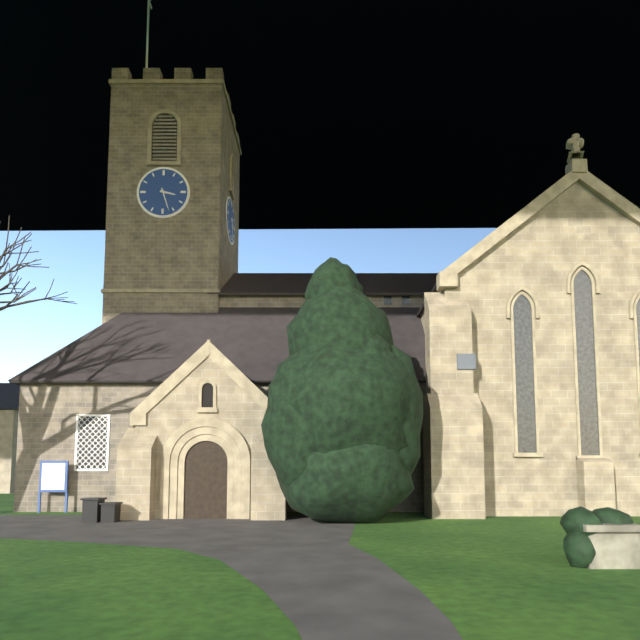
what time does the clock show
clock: 3:27
